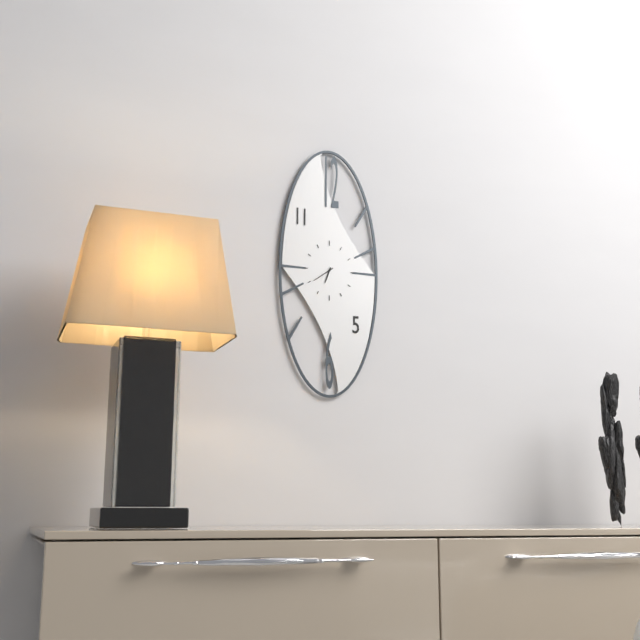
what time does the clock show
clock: 6:39
